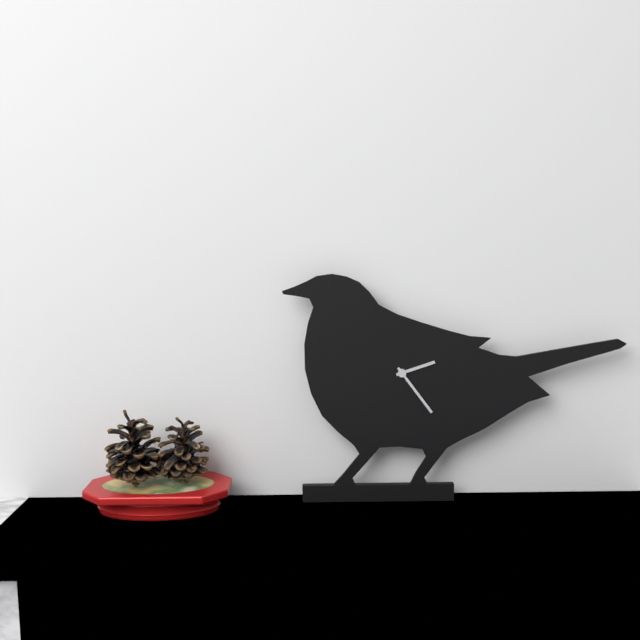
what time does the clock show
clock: 2:24
